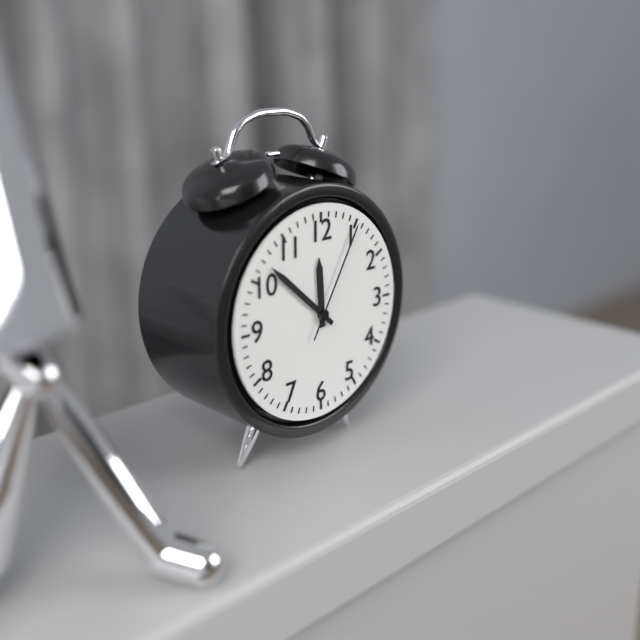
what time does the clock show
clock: 11:52:05
